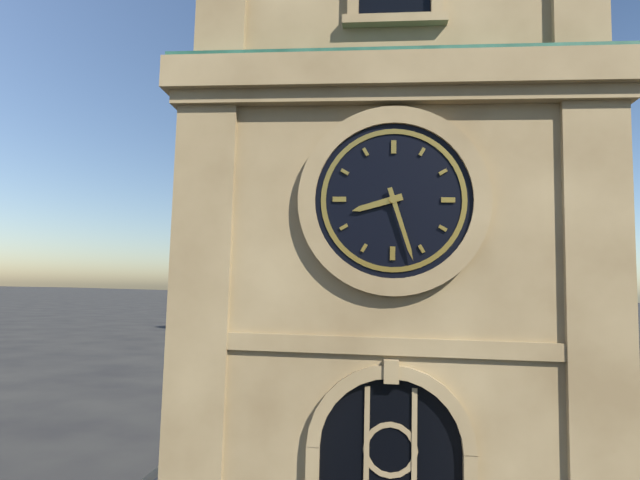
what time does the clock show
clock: 8:27
